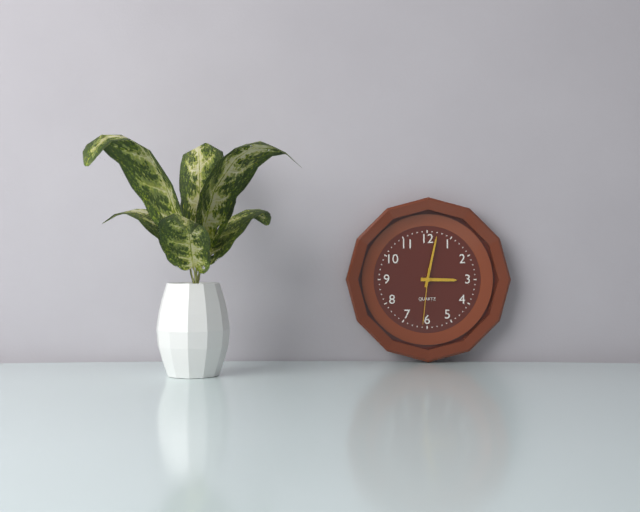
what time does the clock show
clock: 3:02:31
